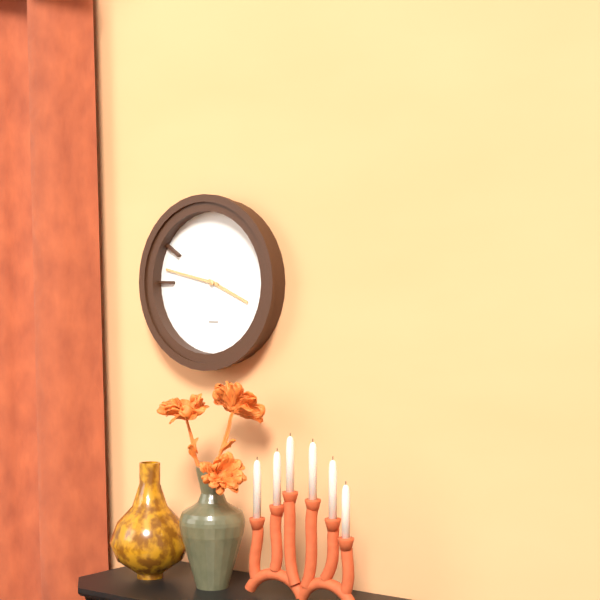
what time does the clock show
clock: 3:47
